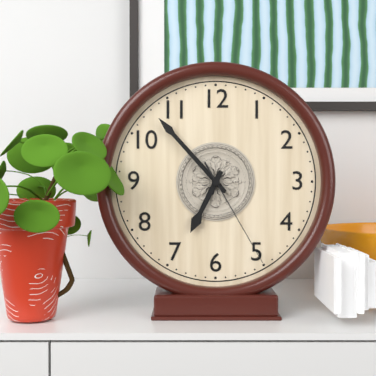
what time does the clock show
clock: 6:53:25
